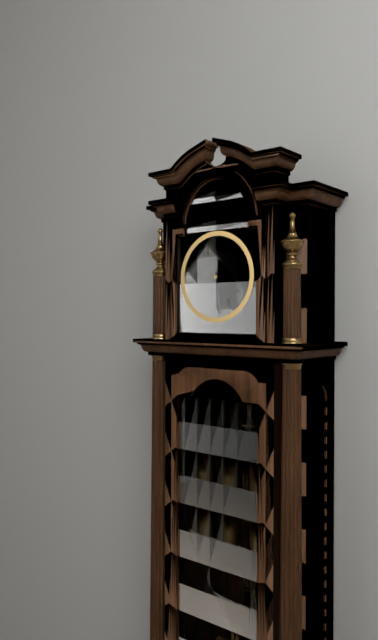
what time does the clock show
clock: 10:29
